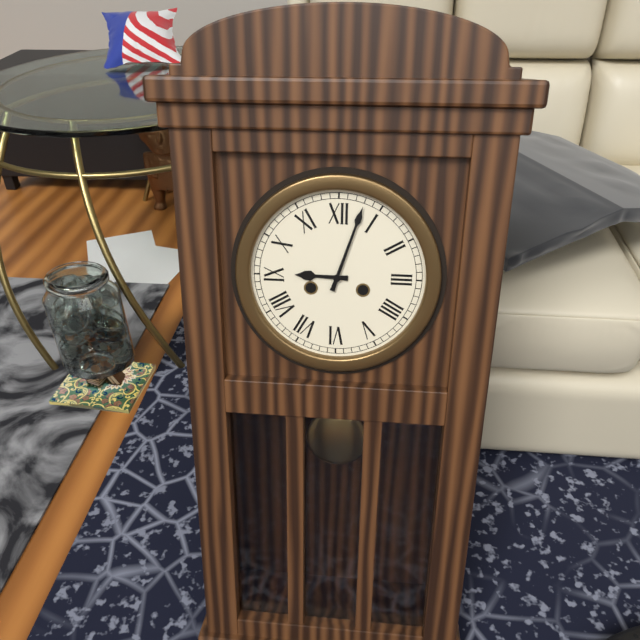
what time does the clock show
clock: 9:03
